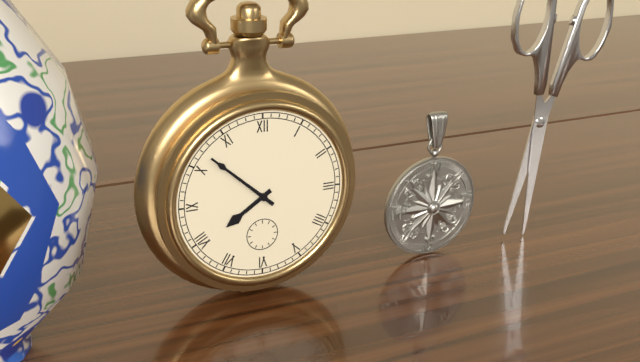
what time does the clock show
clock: 7:52
